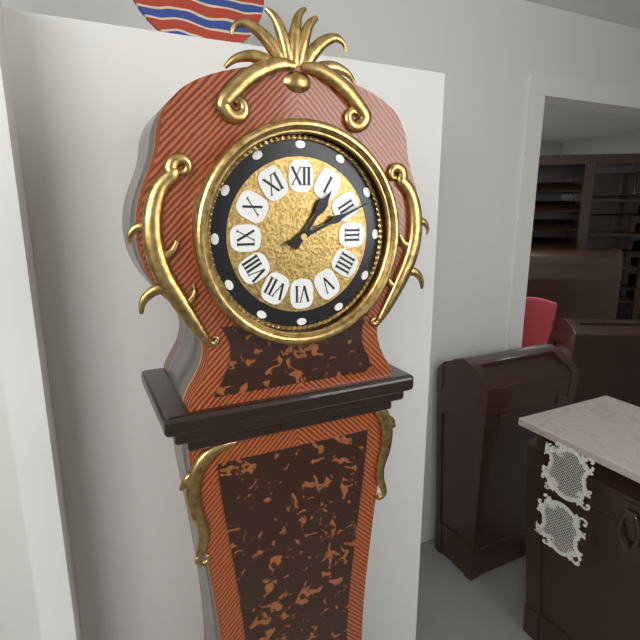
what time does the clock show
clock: 1:11
